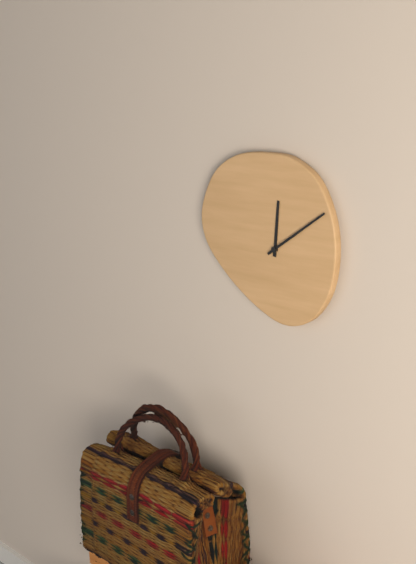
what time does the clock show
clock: 12:09
